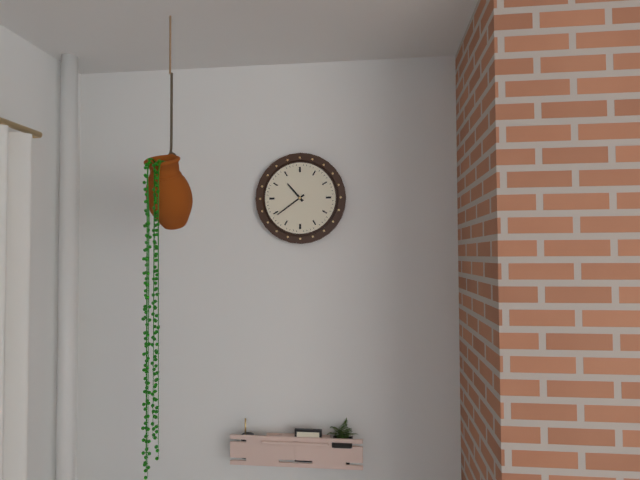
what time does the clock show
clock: 10:39
